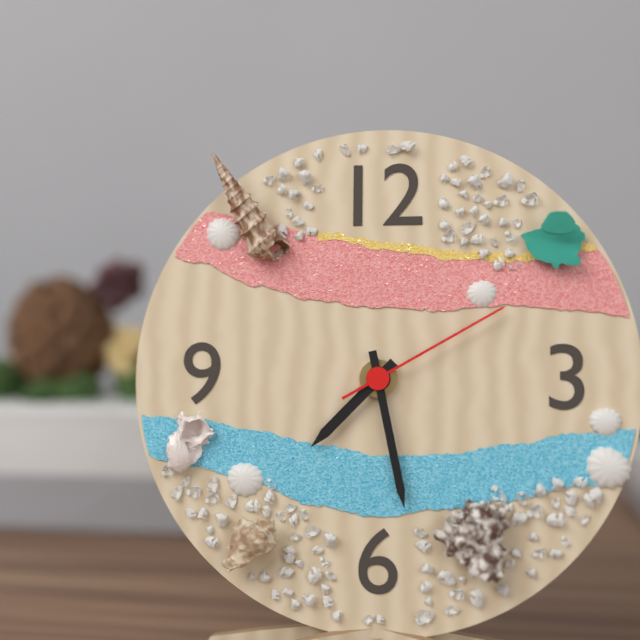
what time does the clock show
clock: 7:28:10
